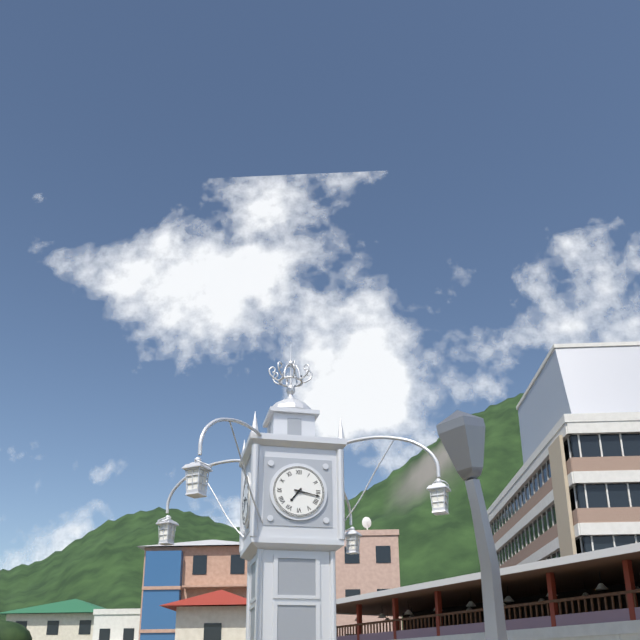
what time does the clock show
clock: 7:17
